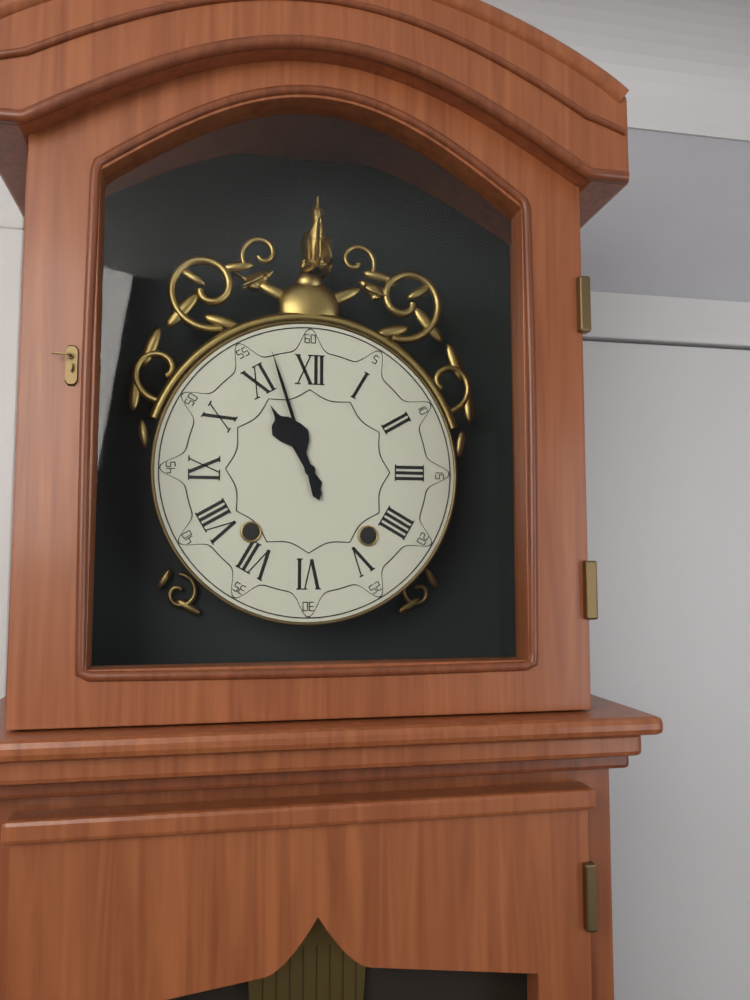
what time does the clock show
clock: 10:57
